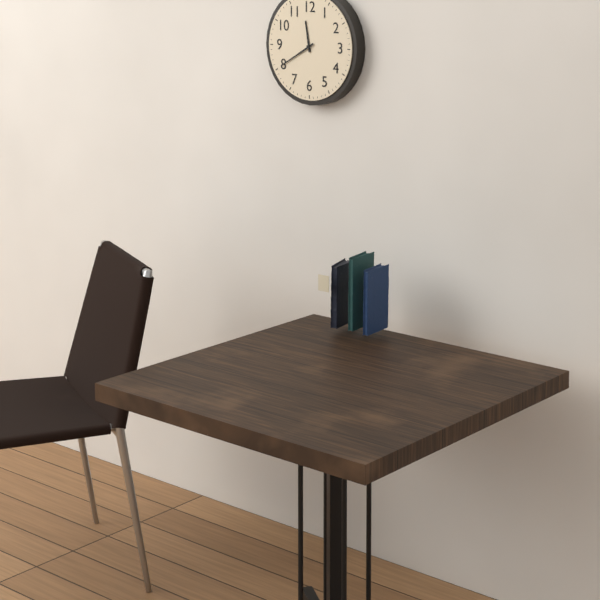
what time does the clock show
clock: 11:40
